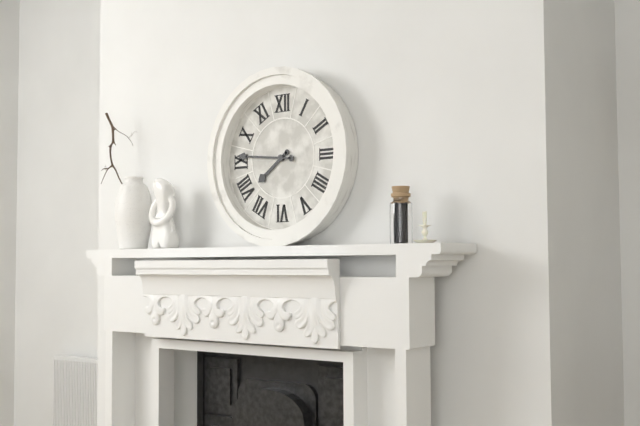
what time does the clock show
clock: 7:46
